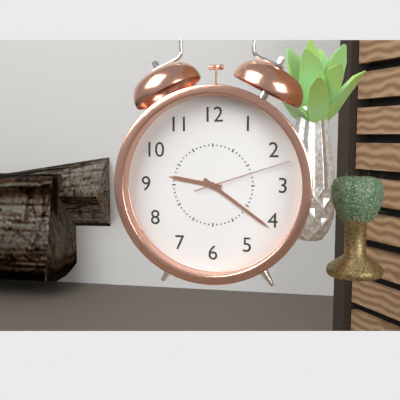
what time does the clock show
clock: 9:21:12
